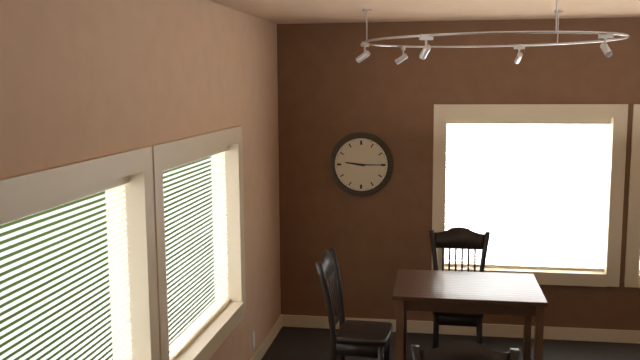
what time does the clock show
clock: 9:15
